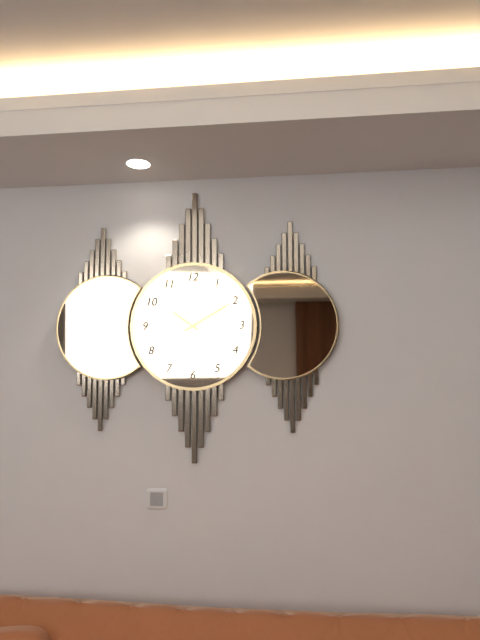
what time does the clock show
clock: 10:10
